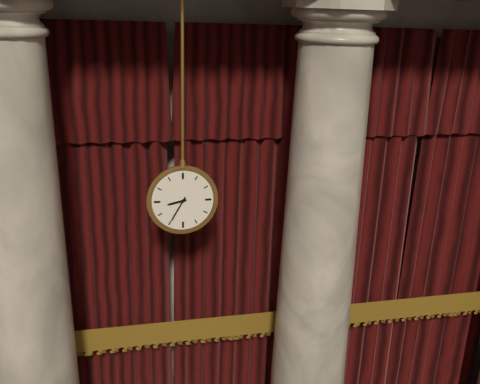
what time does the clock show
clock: 8:35
